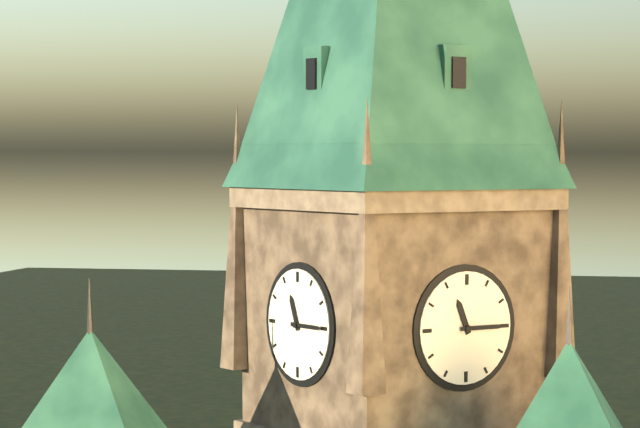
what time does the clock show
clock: 11:15
